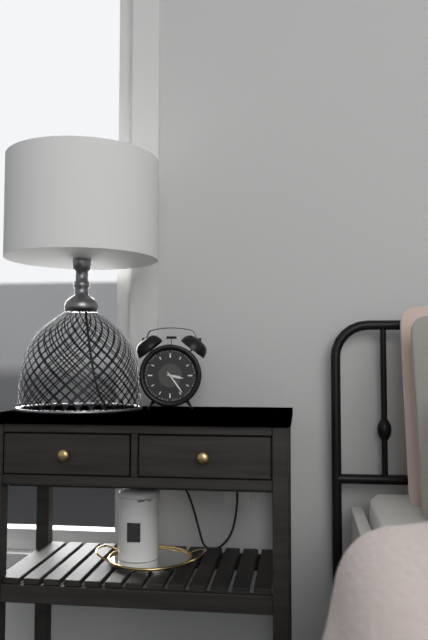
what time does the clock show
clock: 3:24
